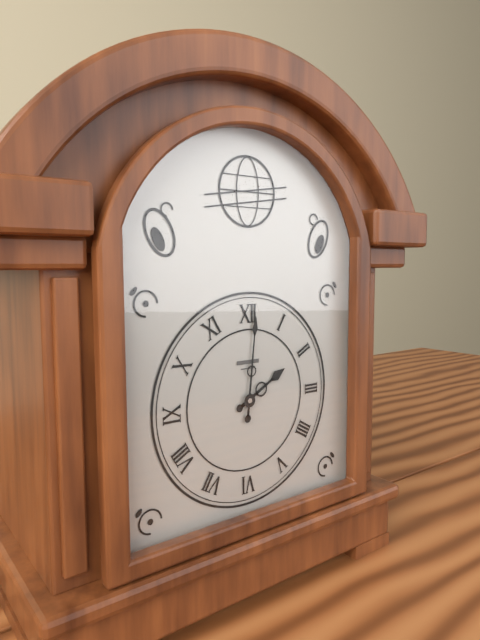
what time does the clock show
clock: 2:01
